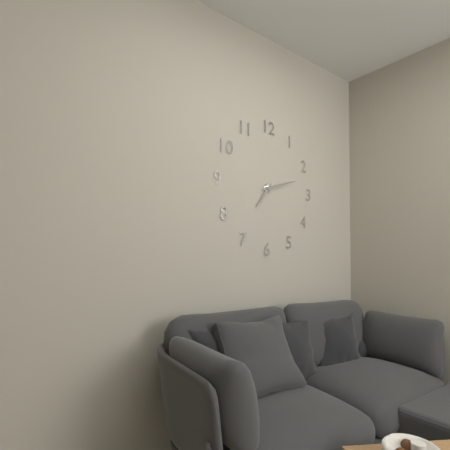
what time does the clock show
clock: 7:12
